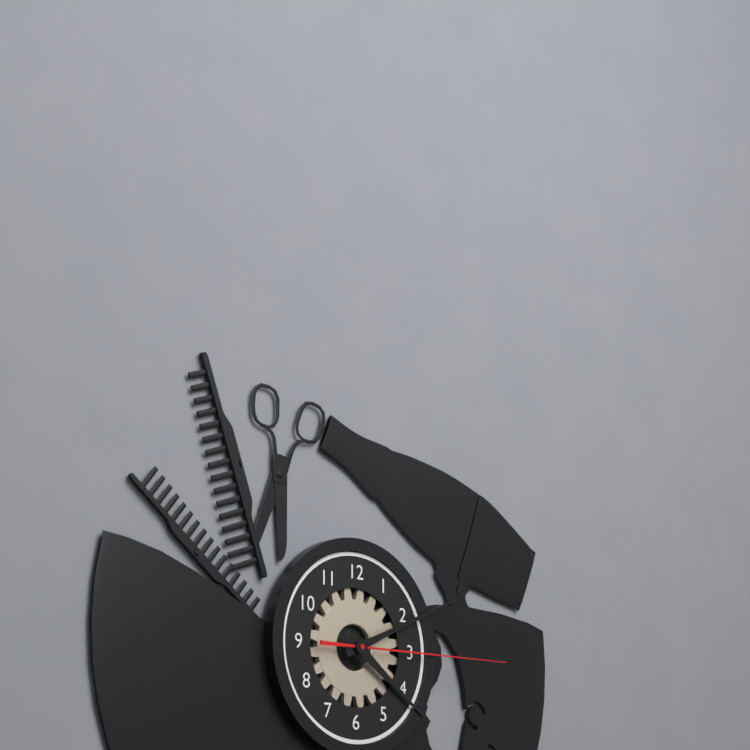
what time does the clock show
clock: 4:11:15
